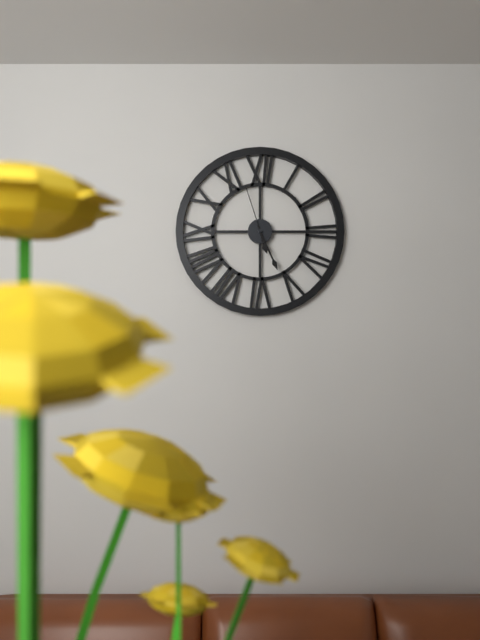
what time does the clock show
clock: 5:26:57
